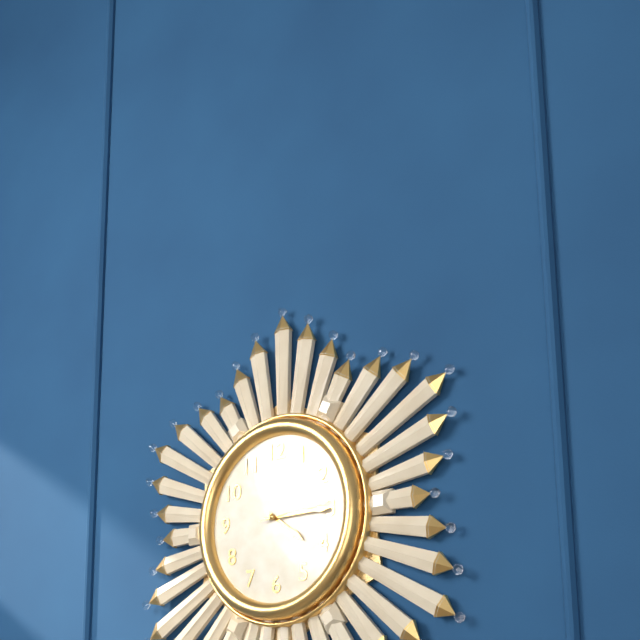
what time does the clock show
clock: 4:15:14
